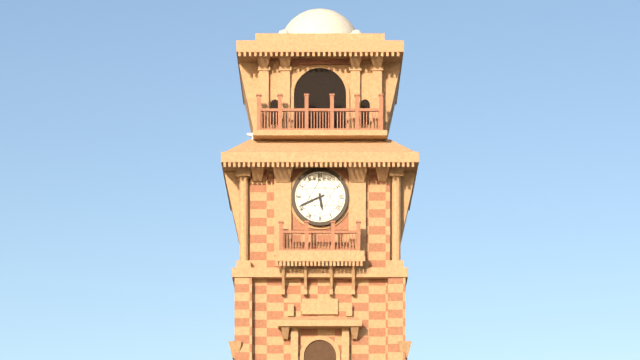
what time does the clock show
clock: 5:41
